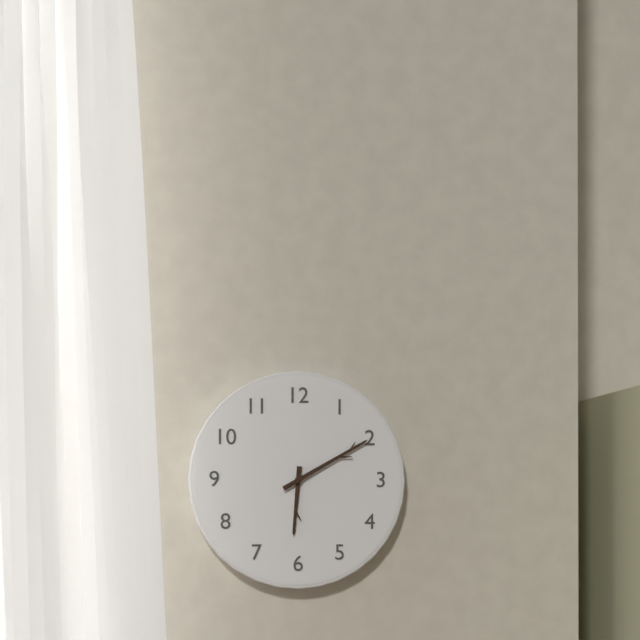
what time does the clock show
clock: 6:10
